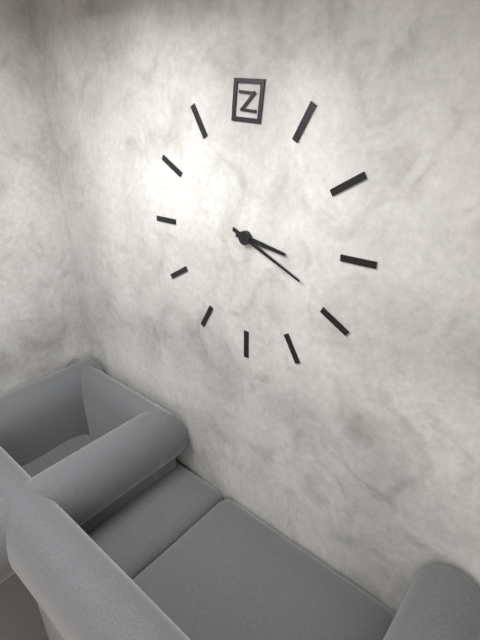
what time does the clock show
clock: 3:19
